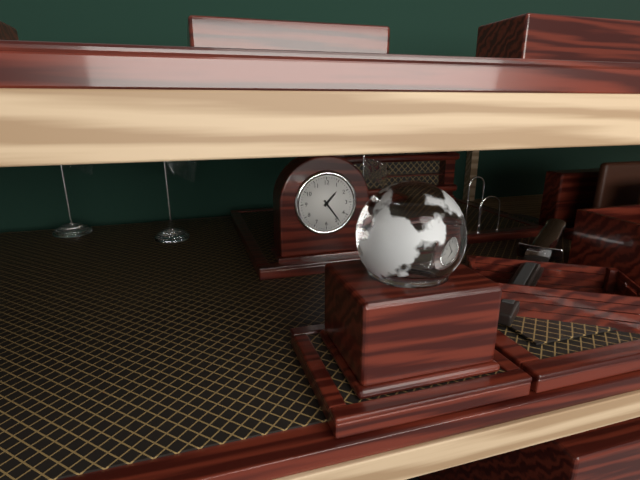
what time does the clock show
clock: 1:24
